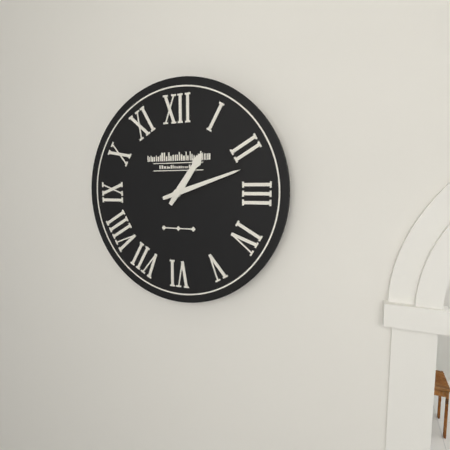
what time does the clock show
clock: 1:12
